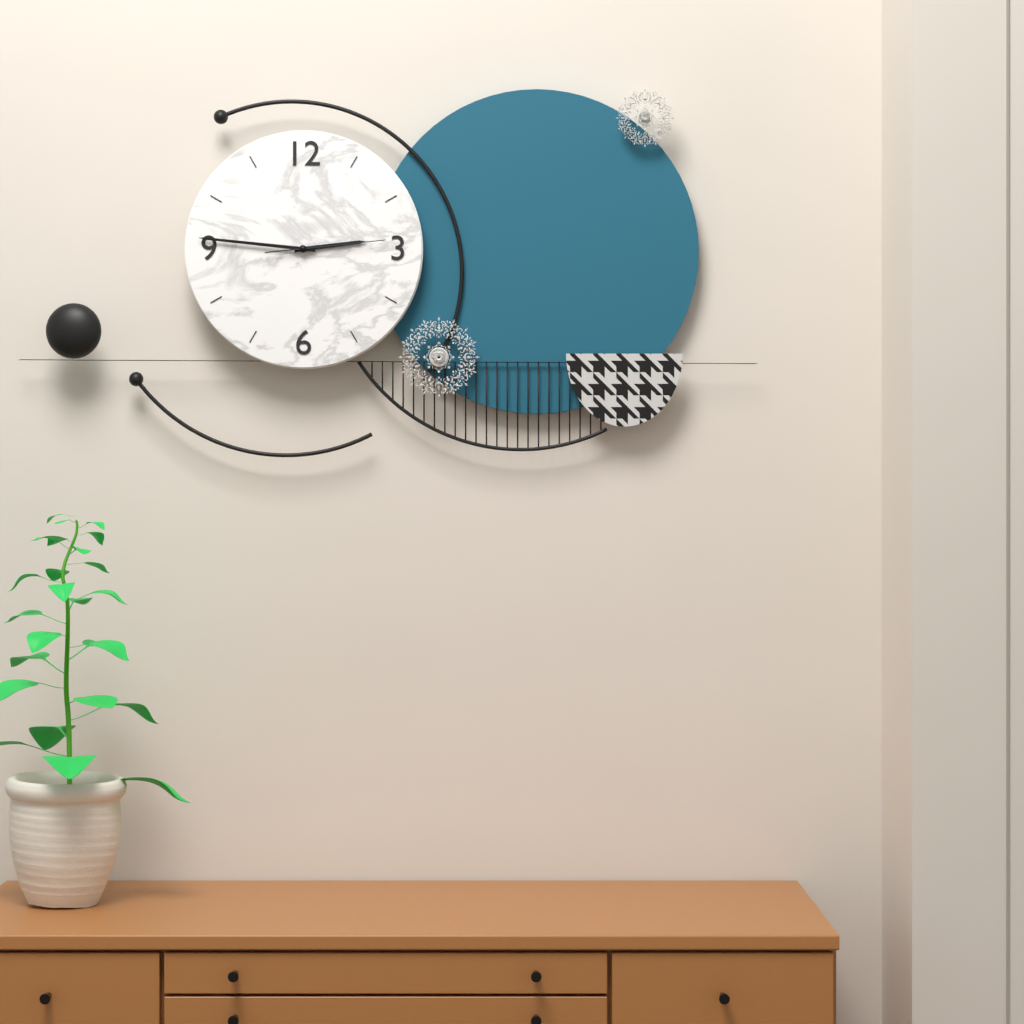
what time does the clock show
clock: 2:46:14
